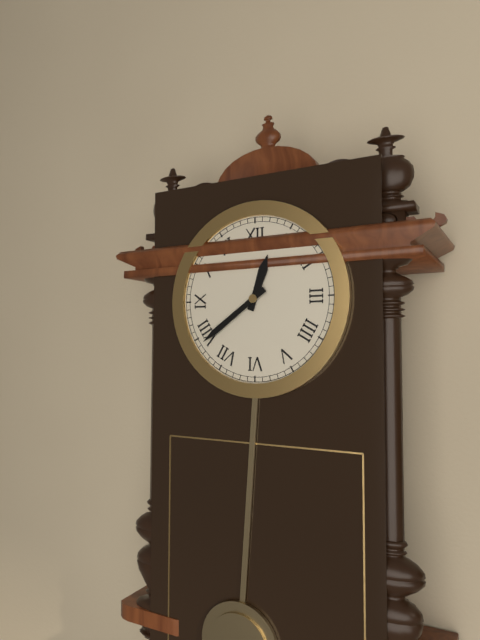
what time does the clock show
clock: 12:39
